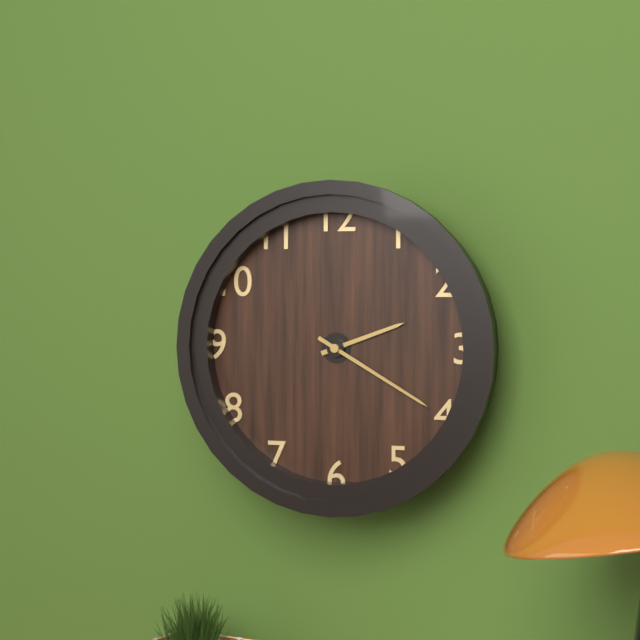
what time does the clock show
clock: 2:20
